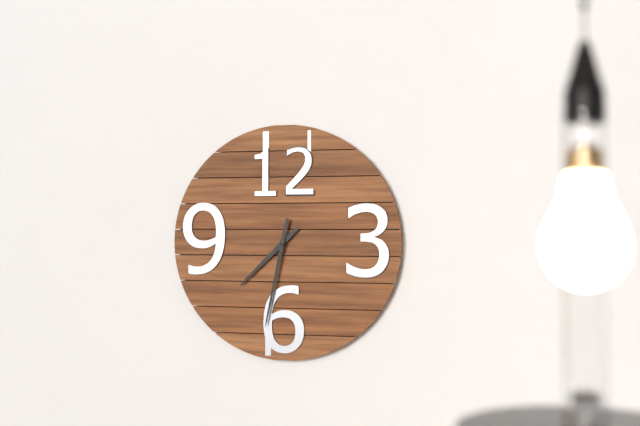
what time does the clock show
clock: 7:32
